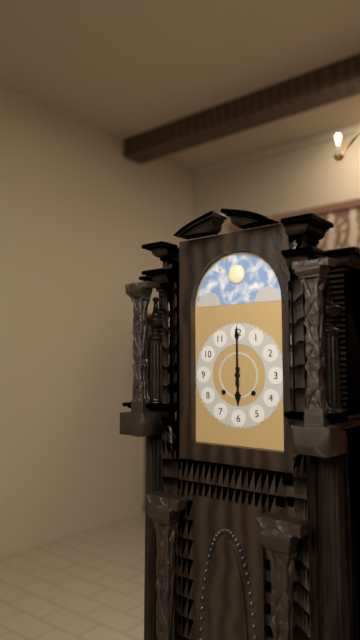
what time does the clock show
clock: 6:00
